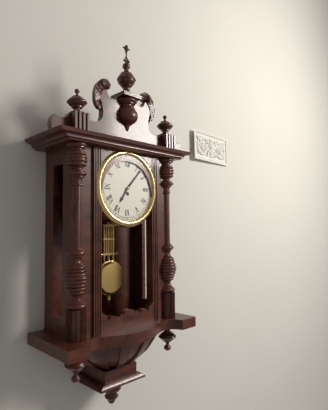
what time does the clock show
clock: 7:07
